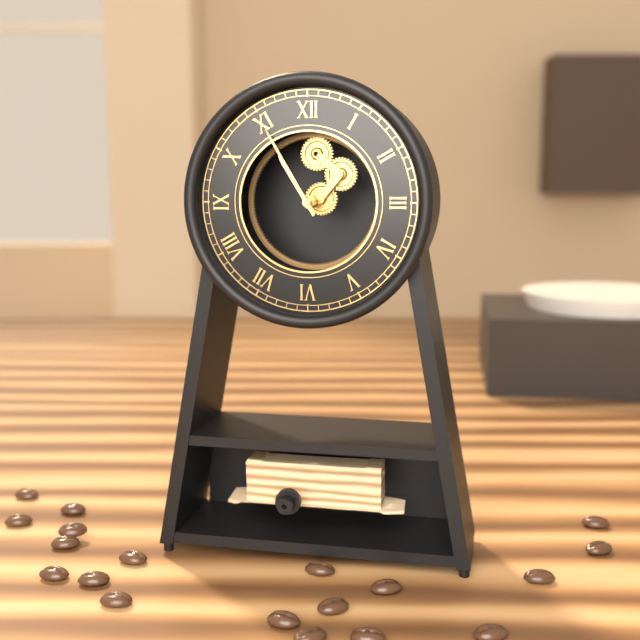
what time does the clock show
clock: 10:55
